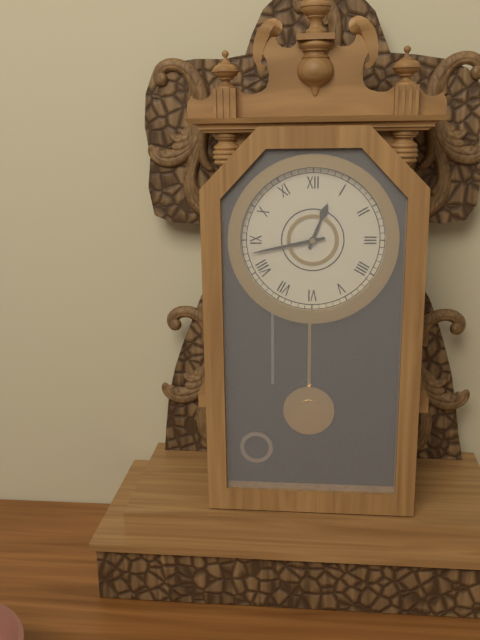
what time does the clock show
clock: 12:43
